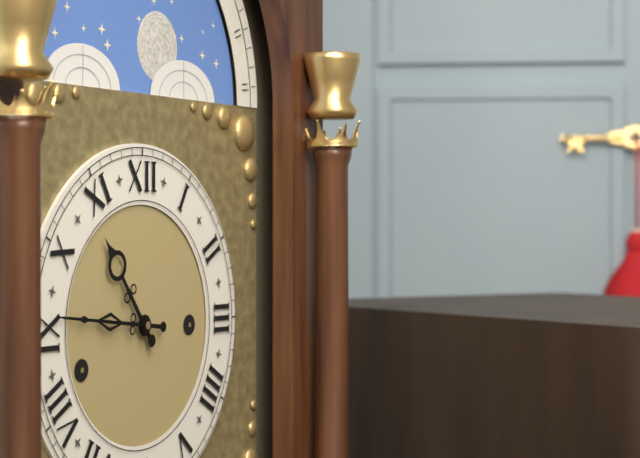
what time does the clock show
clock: 10:46
